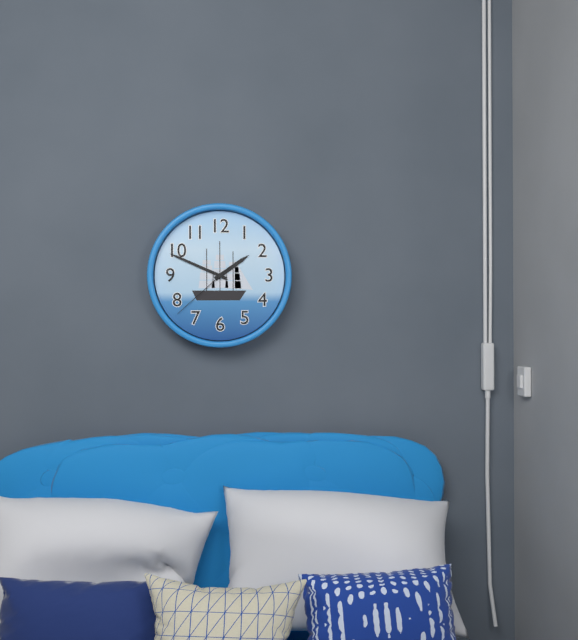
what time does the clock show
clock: 1:49:38
